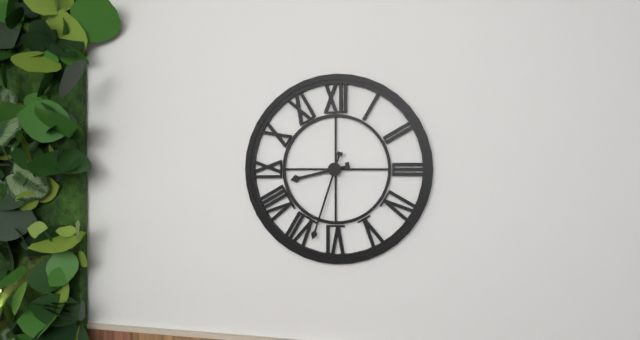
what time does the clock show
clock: 8:33
